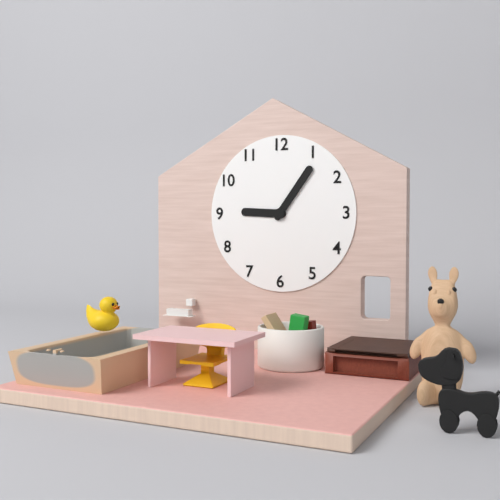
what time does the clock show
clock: 9:06
